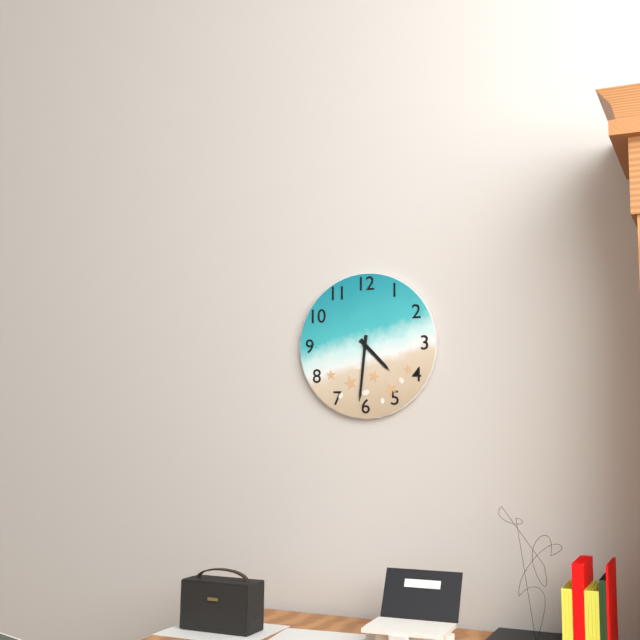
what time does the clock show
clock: 4:31
